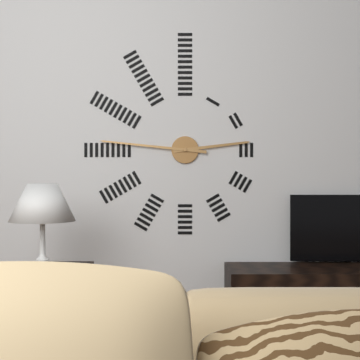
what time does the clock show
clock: 2:46
